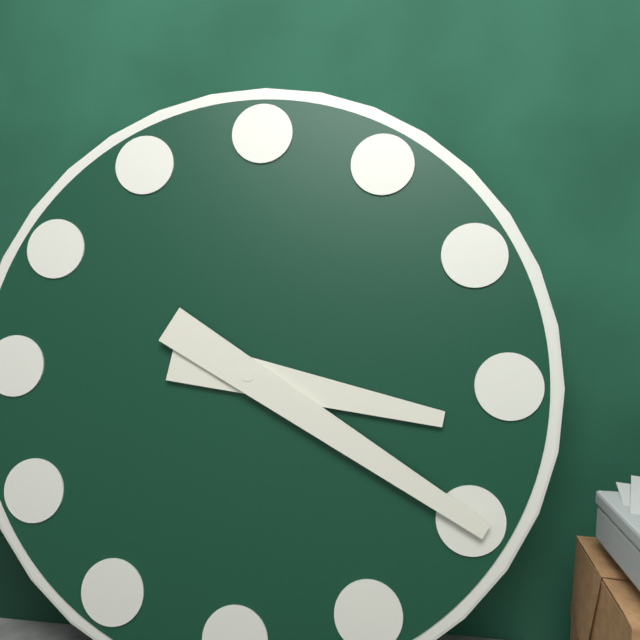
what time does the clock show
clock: 3:20
